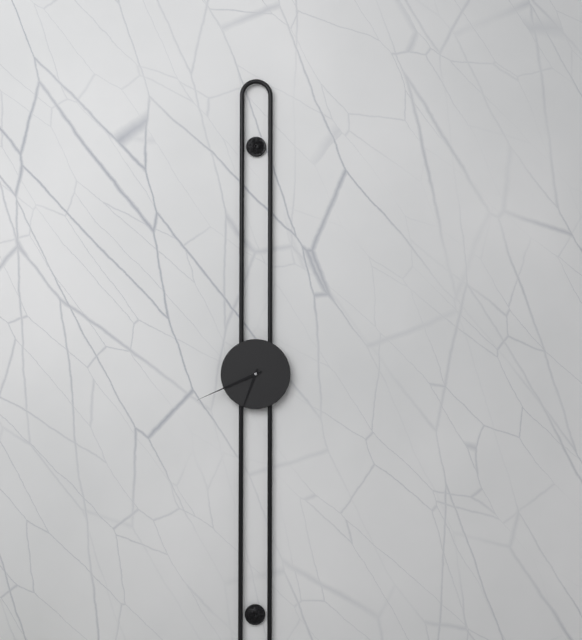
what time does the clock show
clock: 6:41
